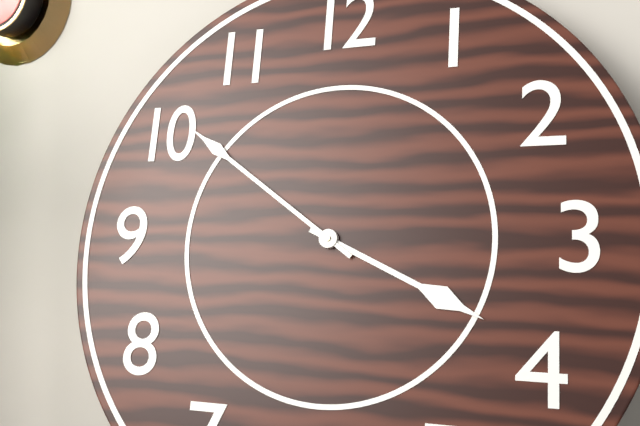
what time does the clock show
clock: 3:51
